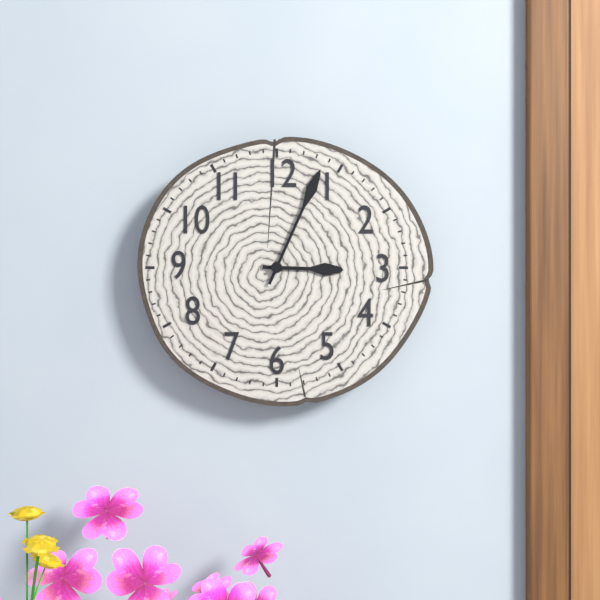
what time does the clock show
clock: 3:04
